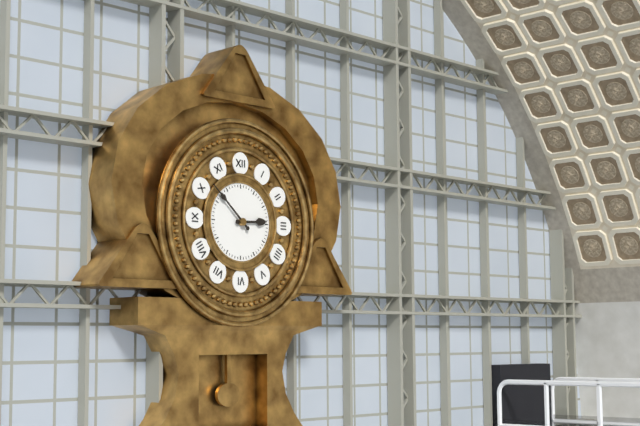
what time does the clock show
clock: 2:52
